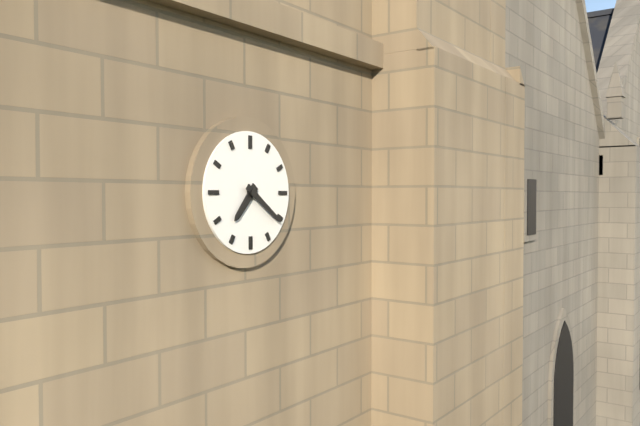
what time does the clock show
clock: 7:21
